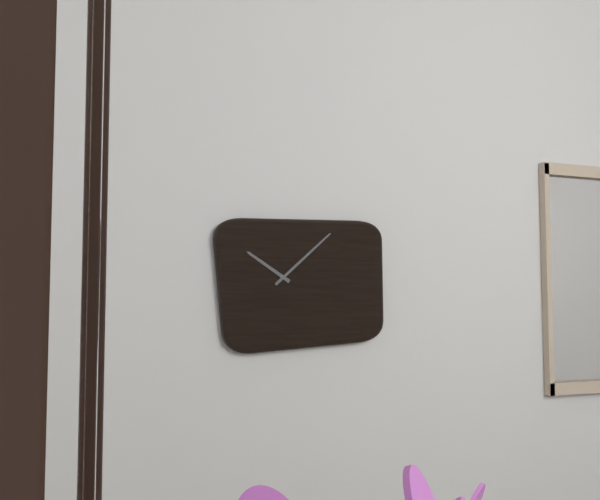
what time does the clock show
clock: 10:08
